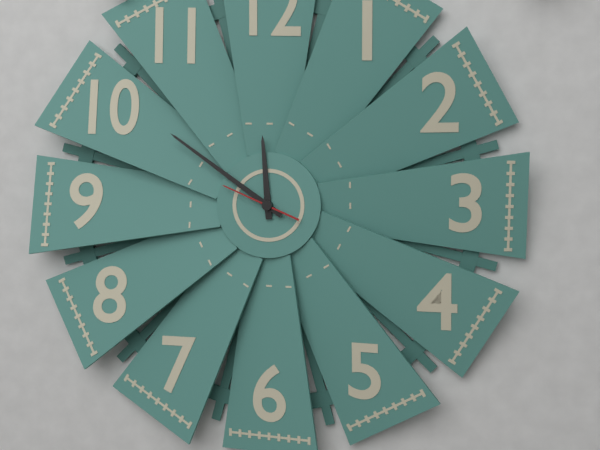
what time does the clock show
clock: 11:51:49
